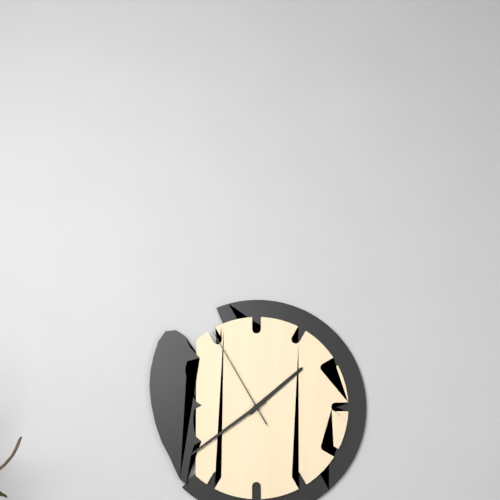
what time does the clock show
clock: 1:39:55
